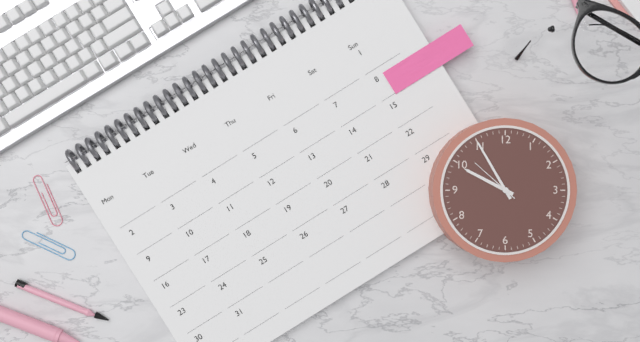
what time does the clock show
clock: 9:55
